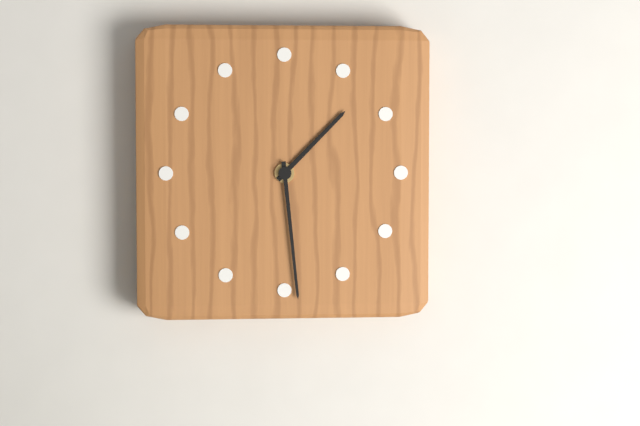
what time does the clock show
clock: 1:29
